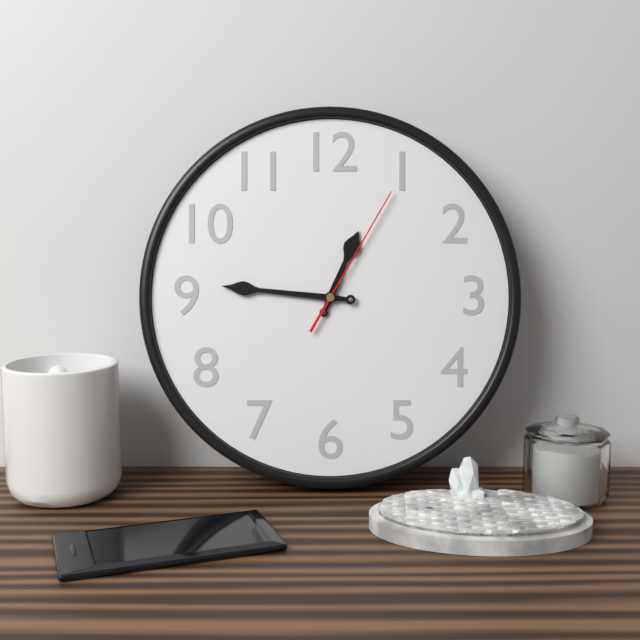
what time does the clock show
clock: 12:46:05
